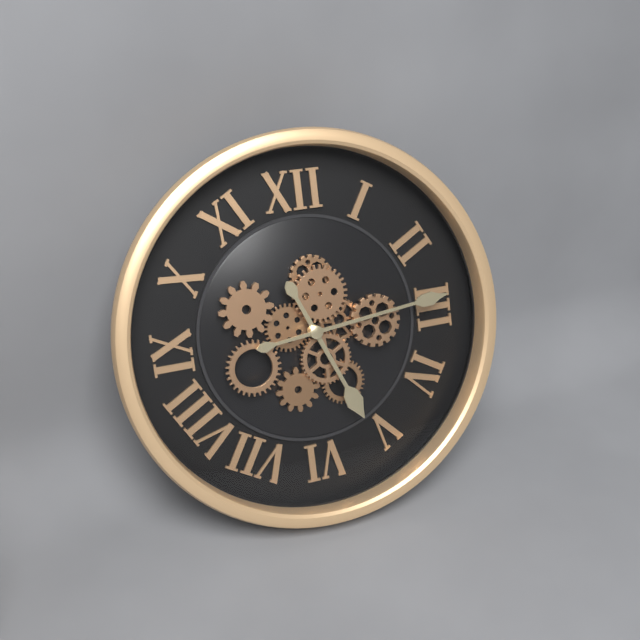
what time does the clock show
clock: 5:14
